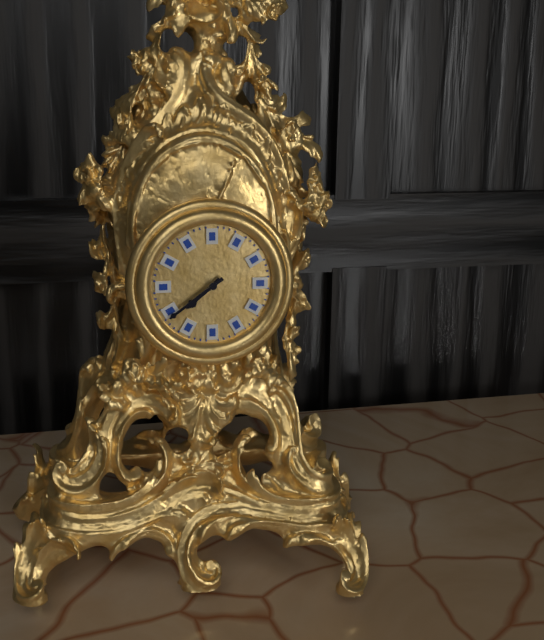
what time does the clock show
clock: 7:39
